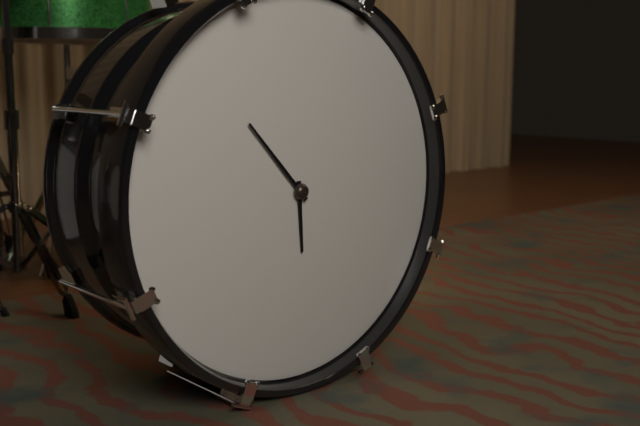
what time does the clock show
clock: 5:53
